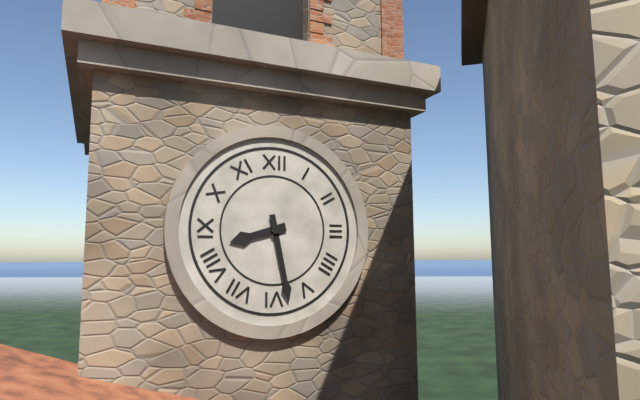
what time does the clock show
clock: 8:28
